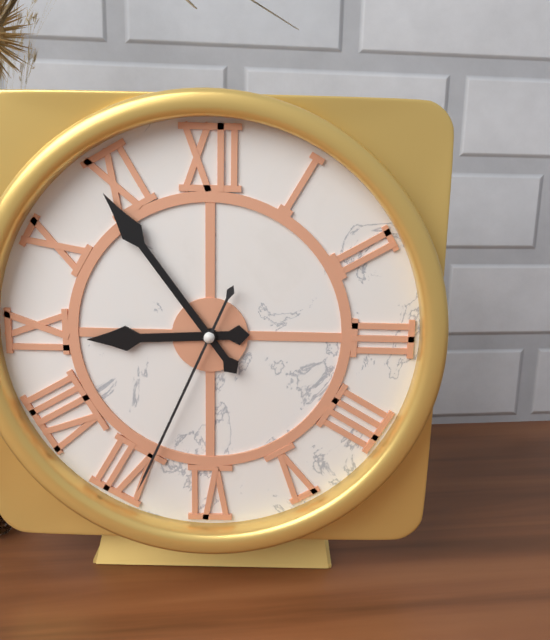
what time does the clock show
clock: 8:54:34
